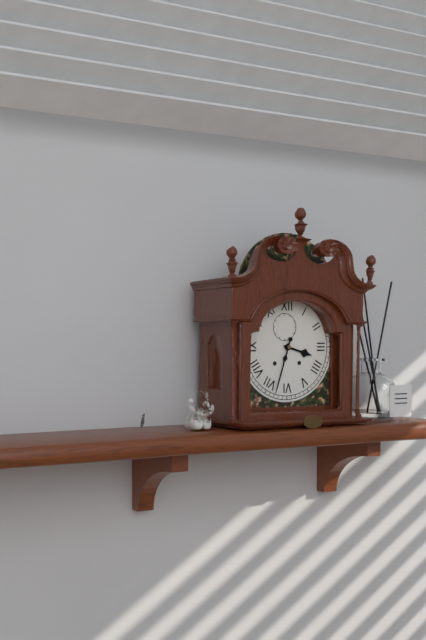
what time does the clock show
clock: 3:33
